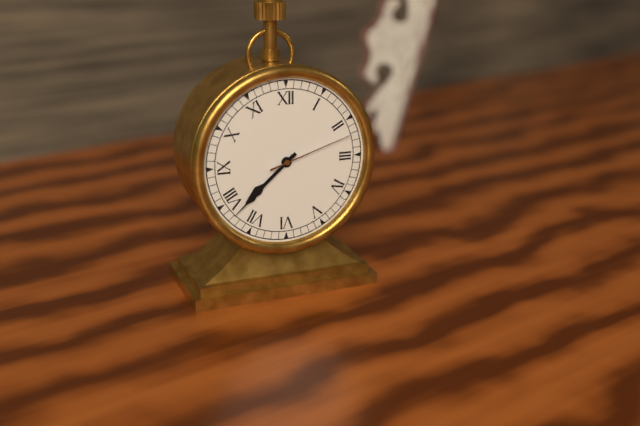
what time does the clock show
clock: 7:38:12
